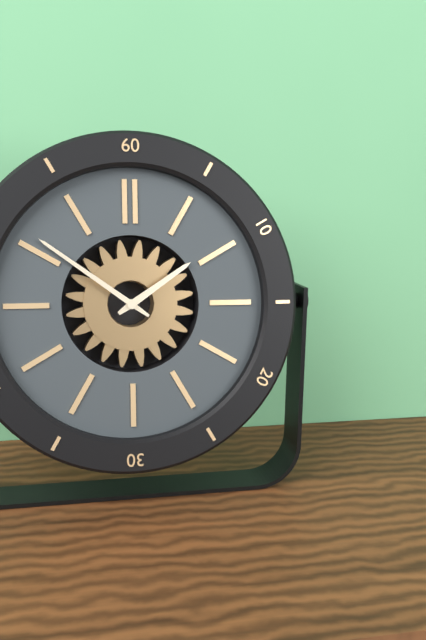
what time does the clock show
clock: 1:51
